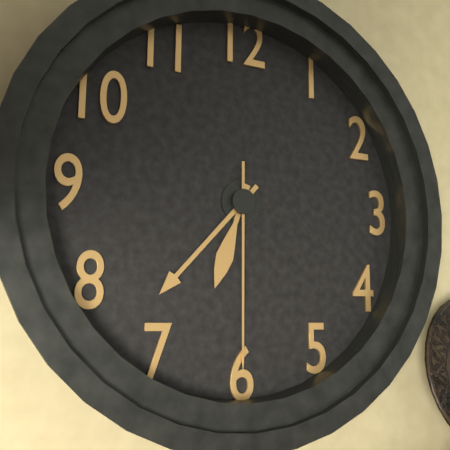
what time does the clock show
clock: 6:37:30
